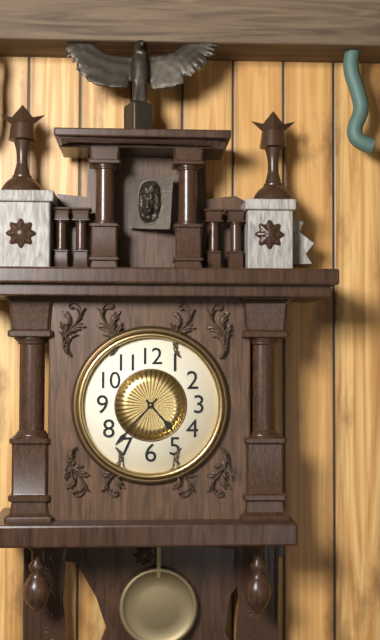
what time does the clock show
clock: 4:37
